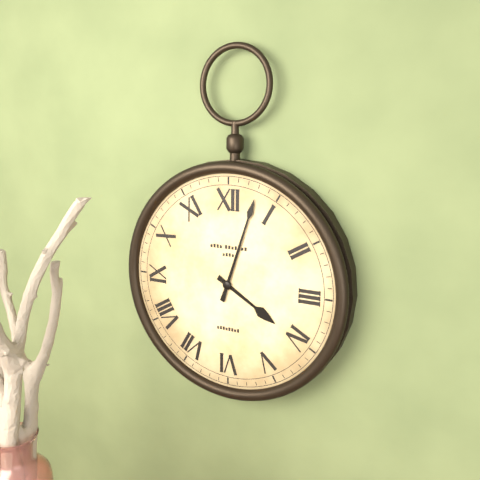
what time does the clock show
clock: 4:03
